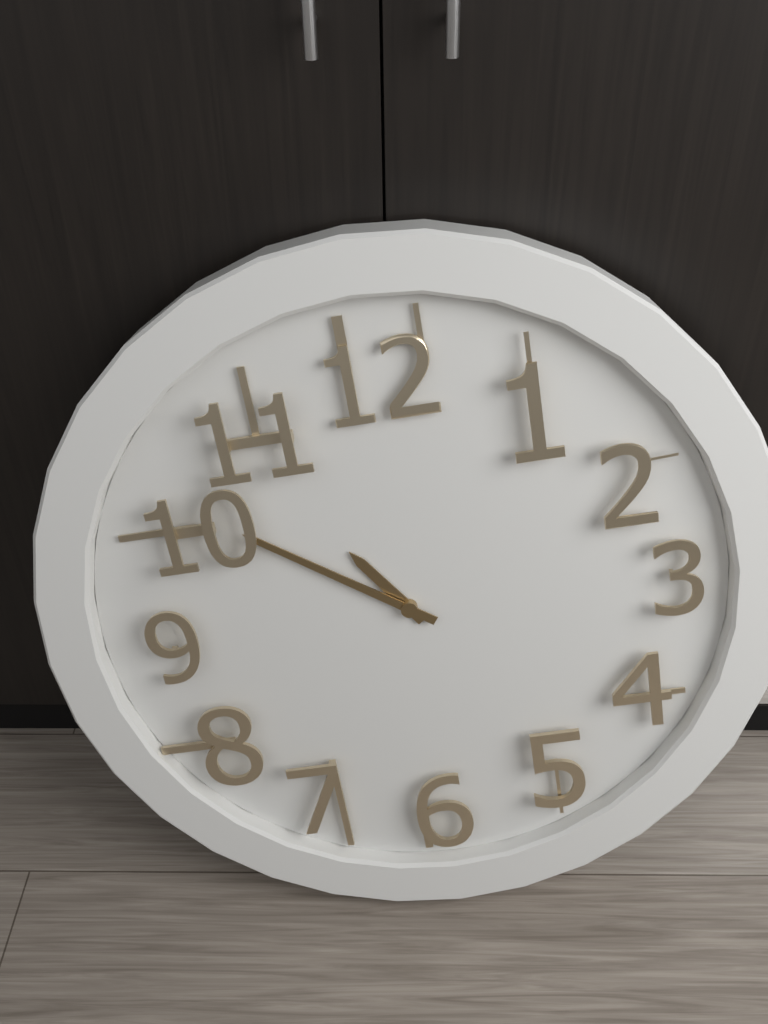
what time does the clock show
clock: 10:51
